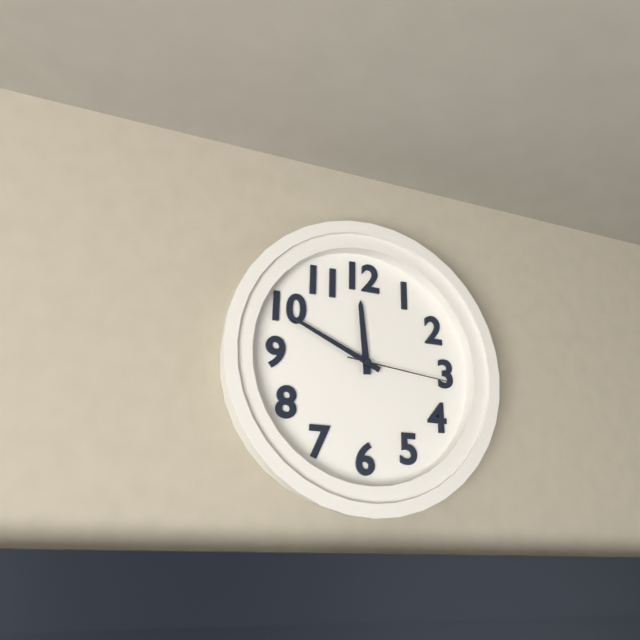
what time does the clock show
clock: 11:49:16
